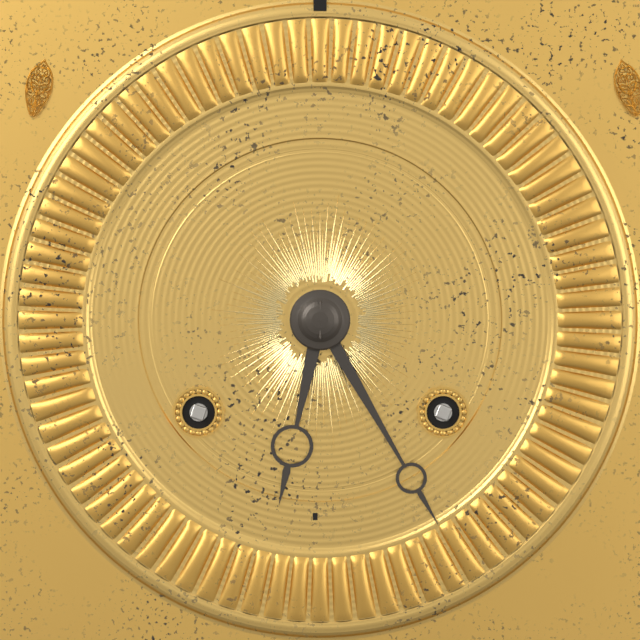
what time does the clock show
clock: 6:25
